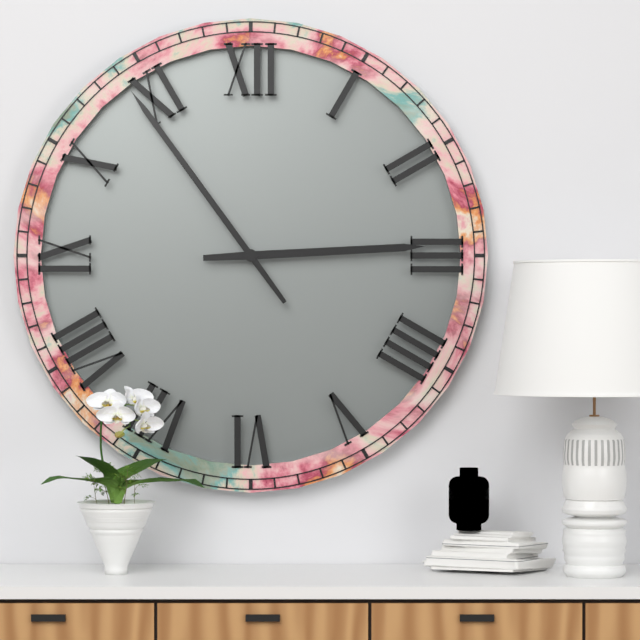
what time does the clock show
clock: 2:54
